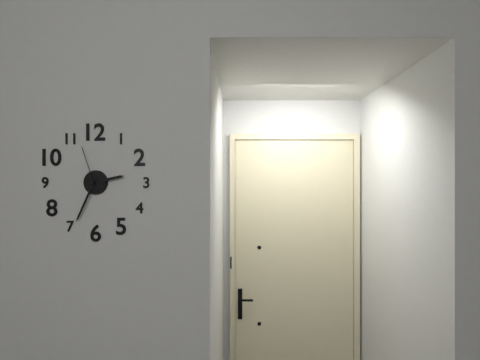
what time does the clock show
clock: 2:34
